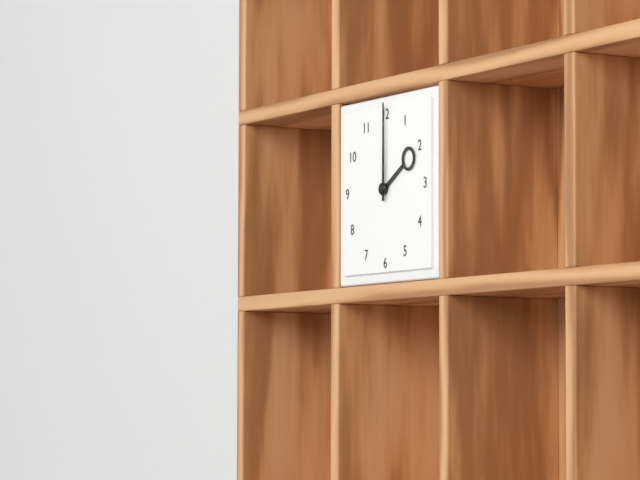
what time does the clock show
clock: 2:00
